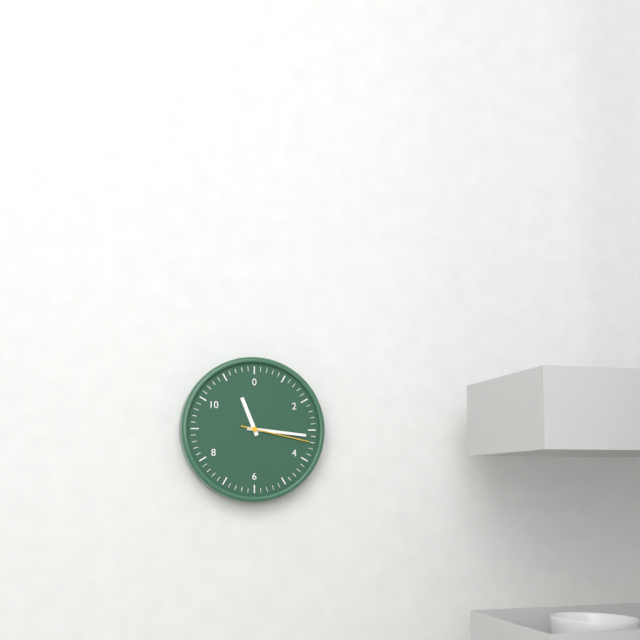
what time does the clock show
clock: 11:16:17
